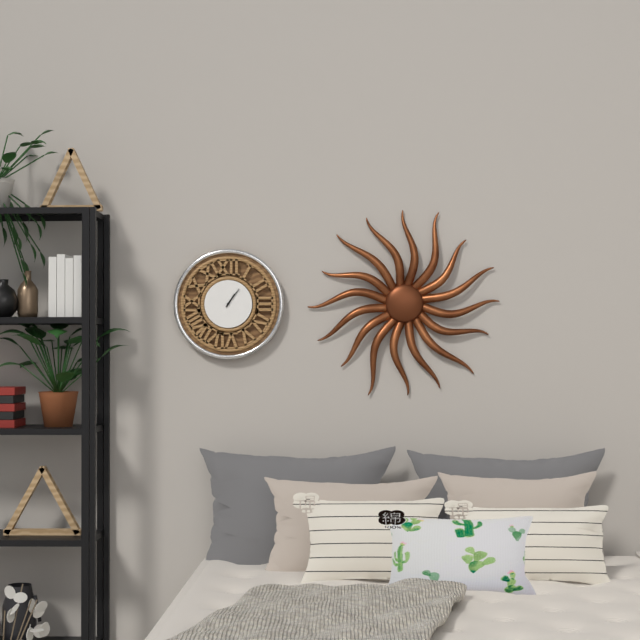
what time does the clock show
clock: 1:06
